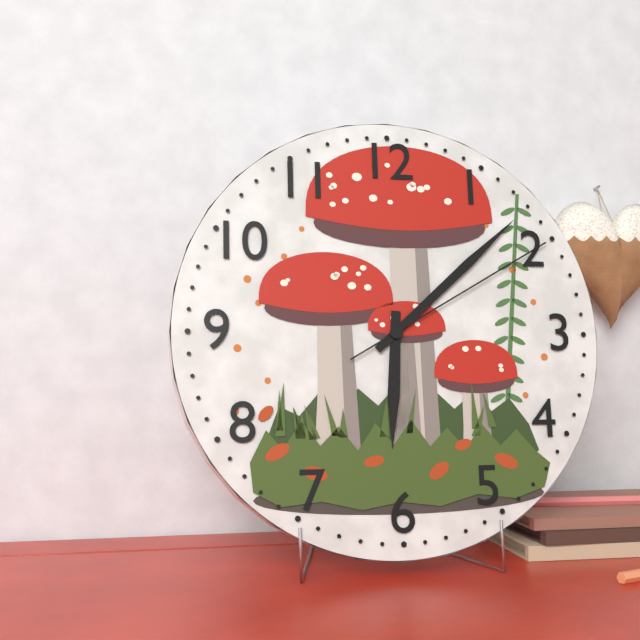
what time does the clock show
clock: 6:08:10
